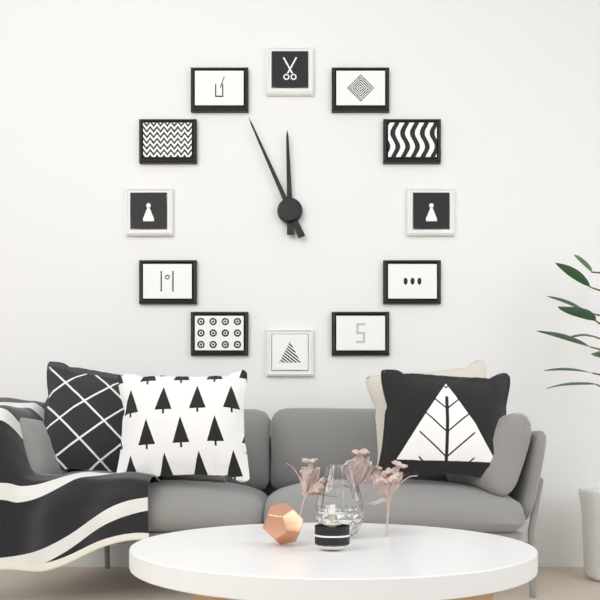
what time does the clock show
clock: 11:56
